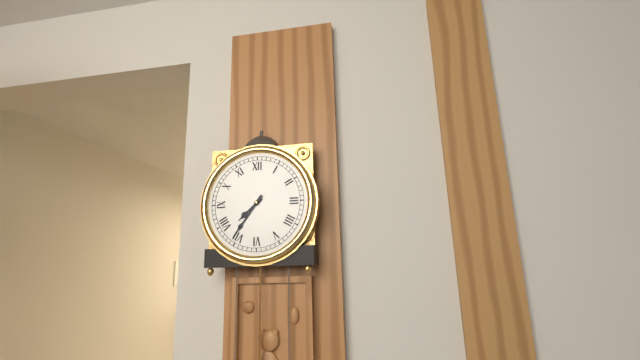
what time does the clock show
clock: 7:36
